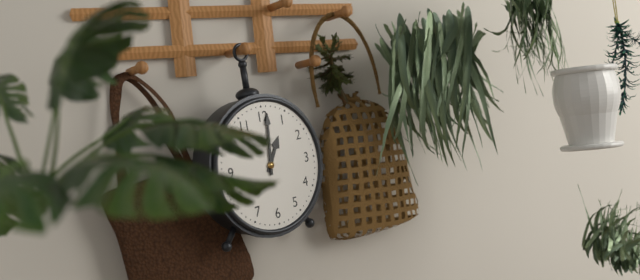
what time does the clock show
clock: 1:01
